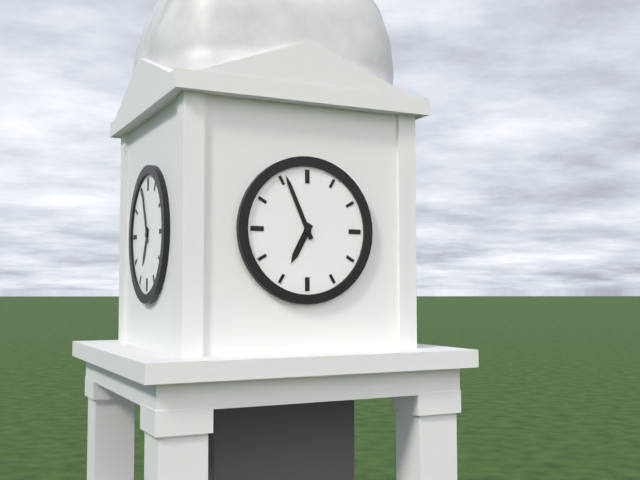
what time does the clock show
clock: 6:56
